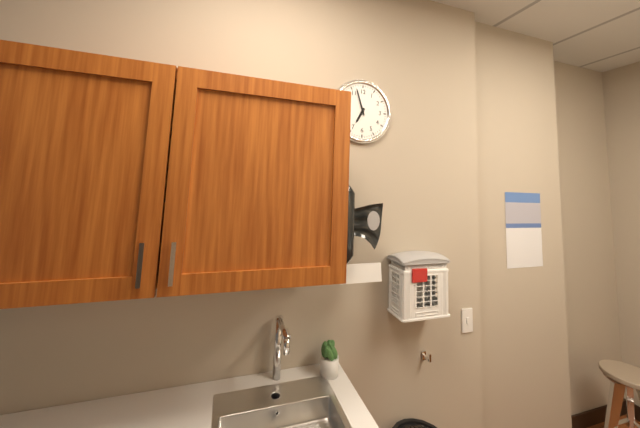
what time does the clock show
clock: 6:57
